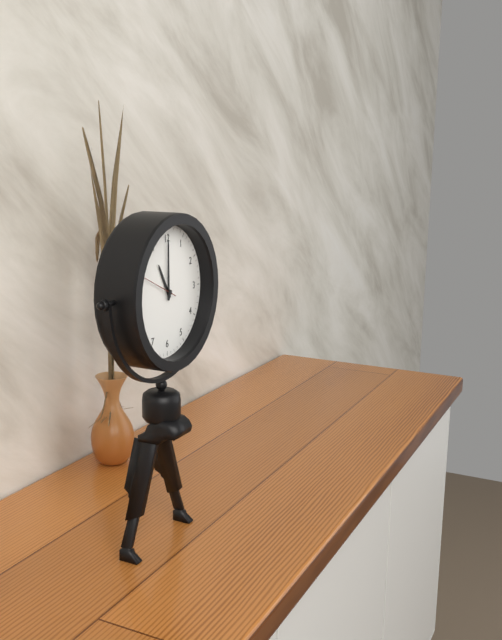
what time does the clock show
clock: 11:00
